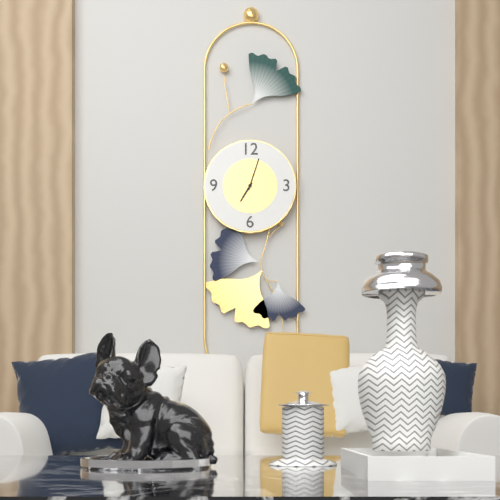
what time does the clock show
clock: 7:03
